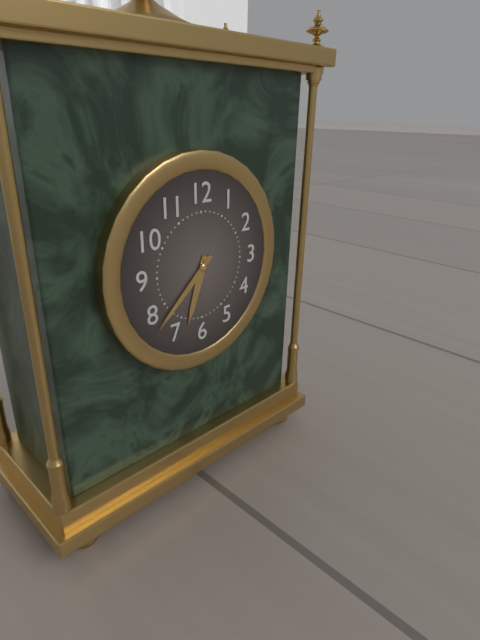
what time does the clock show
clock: 6:38
